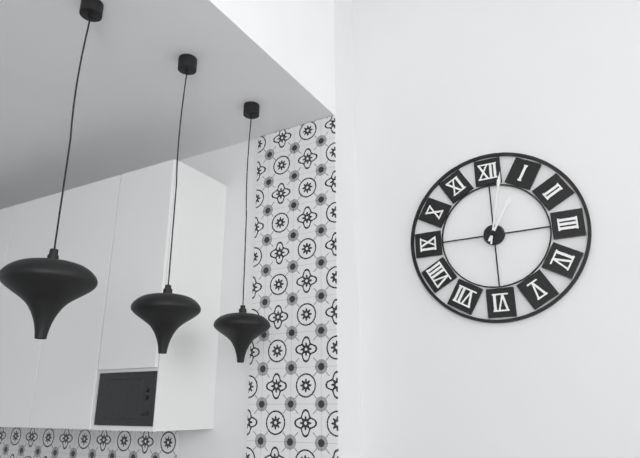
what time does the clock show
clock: 1:02
